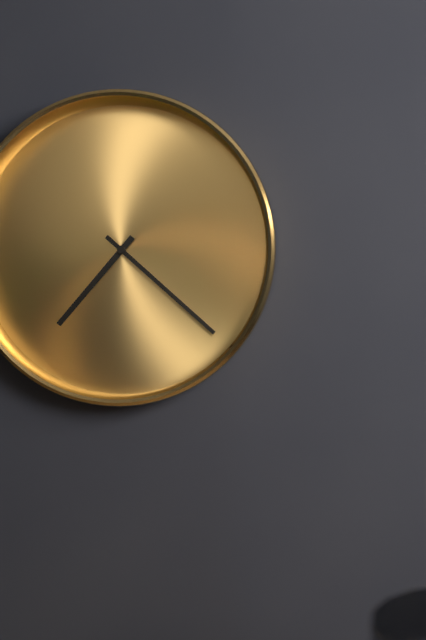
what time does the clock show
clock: 7:22
